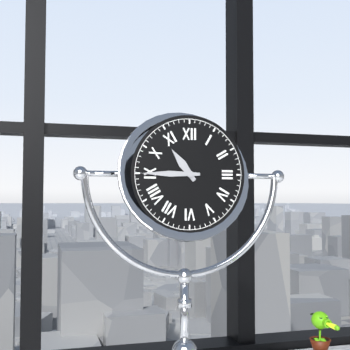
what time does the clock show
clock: 10:45
